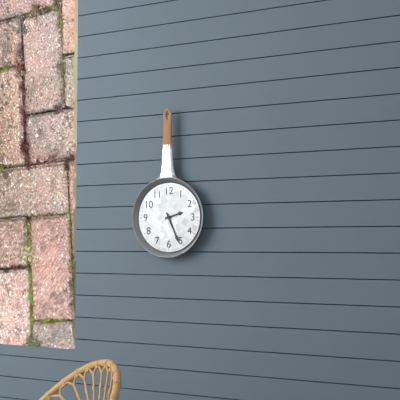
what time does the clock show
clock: 2:26
